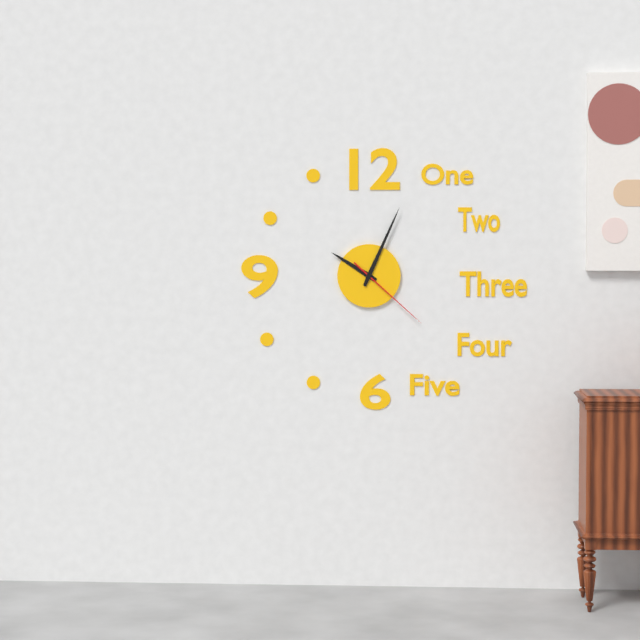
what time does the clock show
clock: 10:04:22
